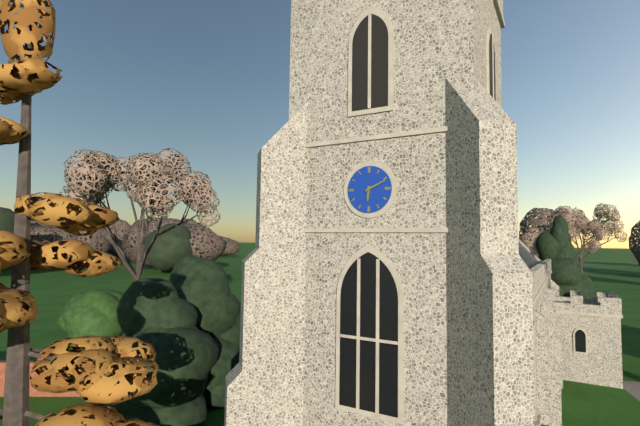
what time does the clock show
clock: 6:11
